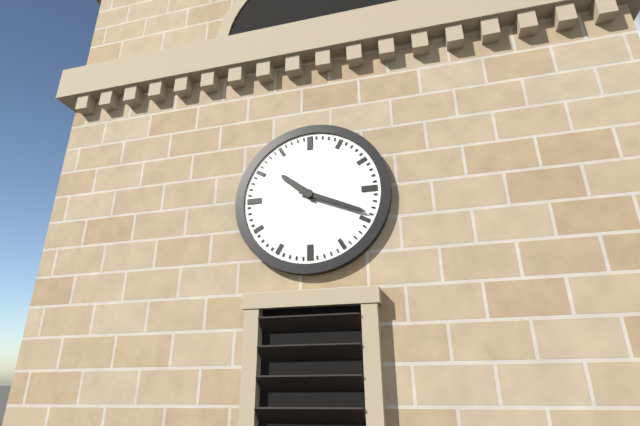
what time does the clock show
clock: 10:19
